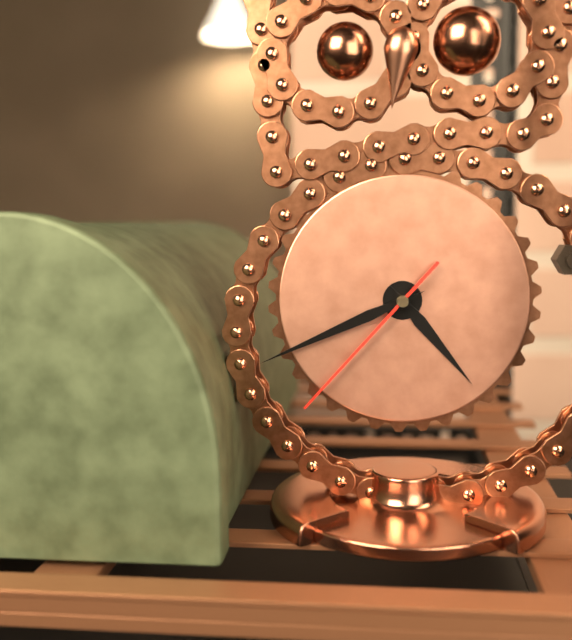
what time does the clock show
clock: 4:41:37
